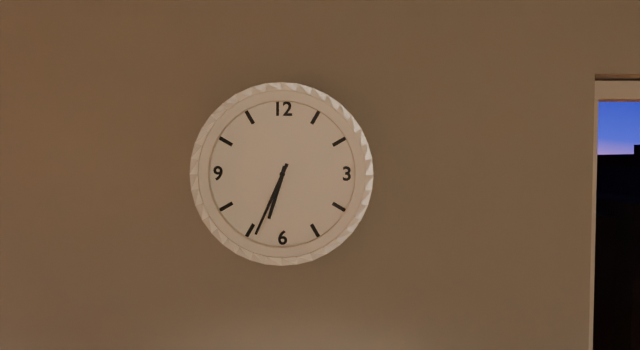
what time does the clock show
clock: 6:34
